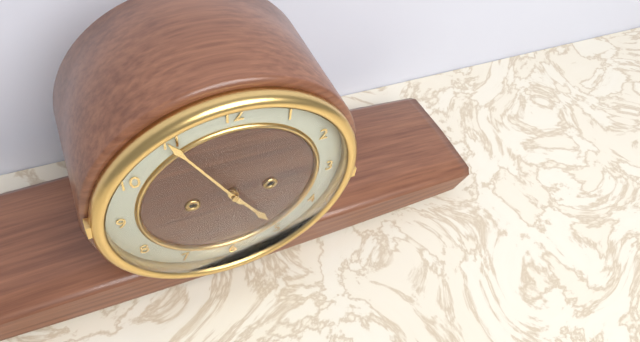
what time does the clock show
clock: 4:55
